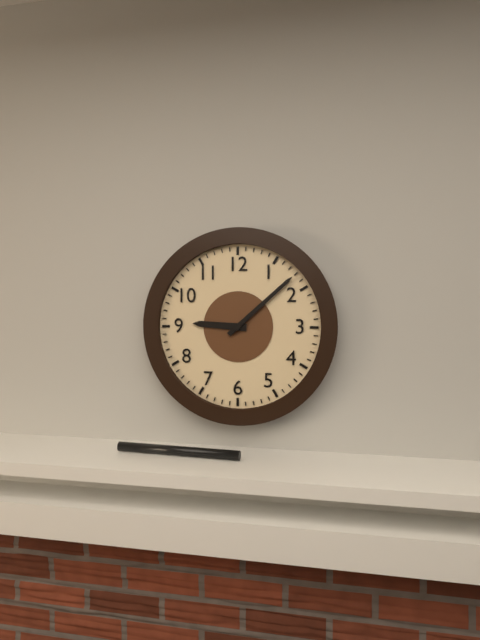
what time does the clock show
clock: 9:08
